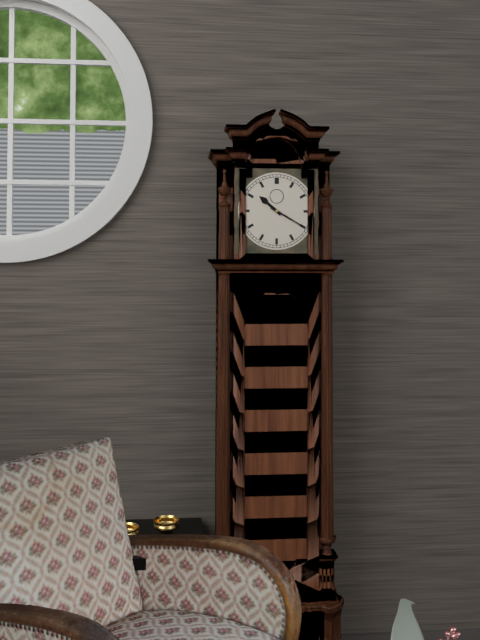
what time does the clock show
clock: 10:20
